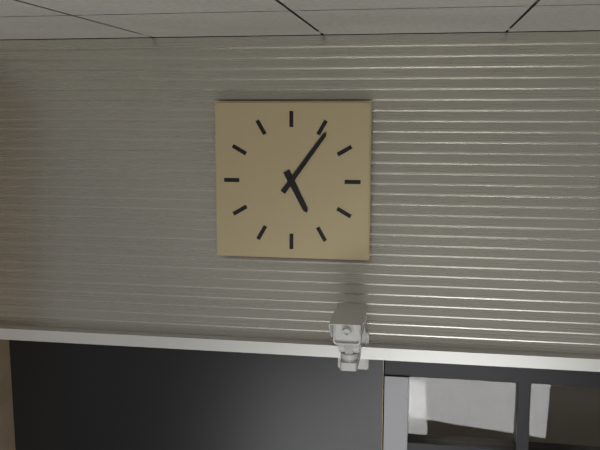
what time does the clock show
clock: 5:06
